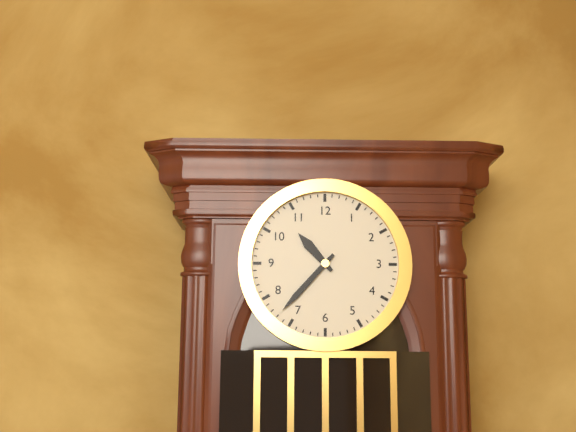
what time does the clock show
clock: 10:37
